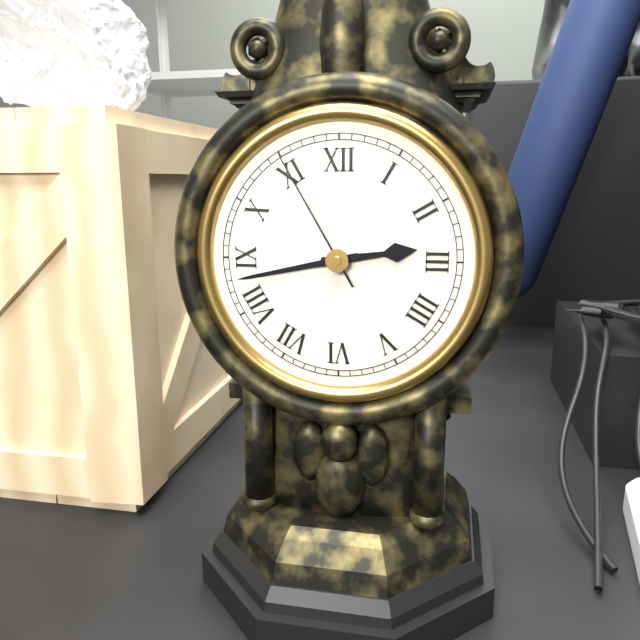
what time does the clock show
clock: 2:43:55
